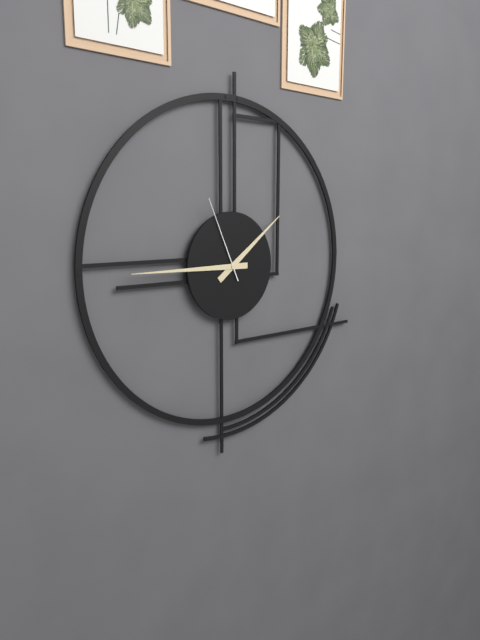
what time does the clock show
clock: 1:45:56
